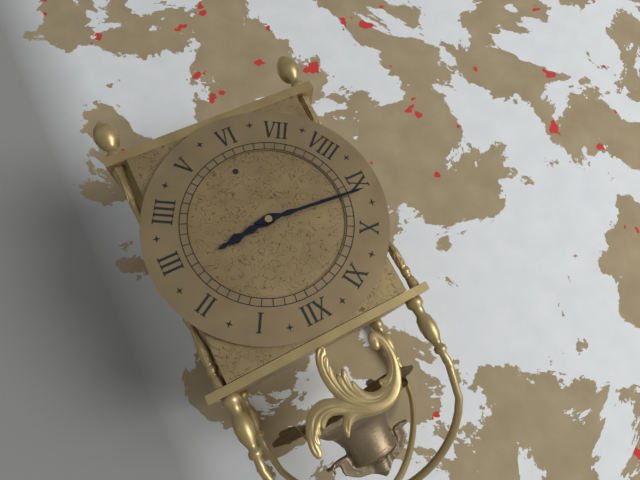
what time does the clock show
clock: 2:46
